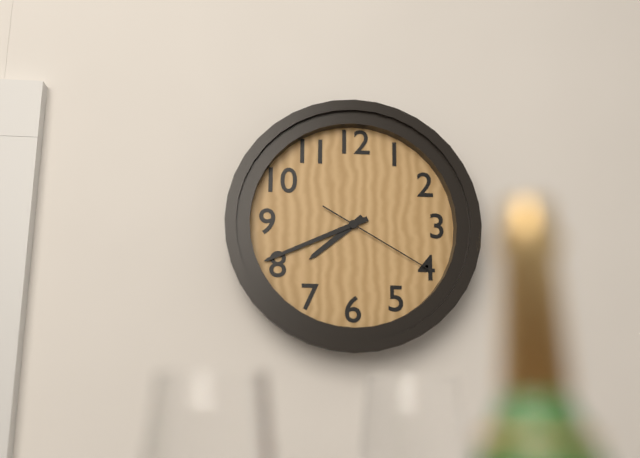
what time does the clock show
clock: 7:41:20
